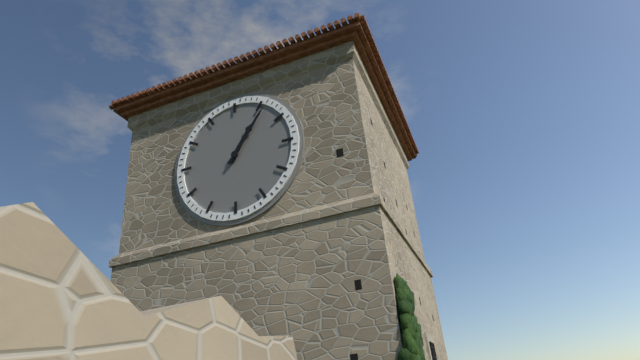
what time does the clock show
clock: 1:06
